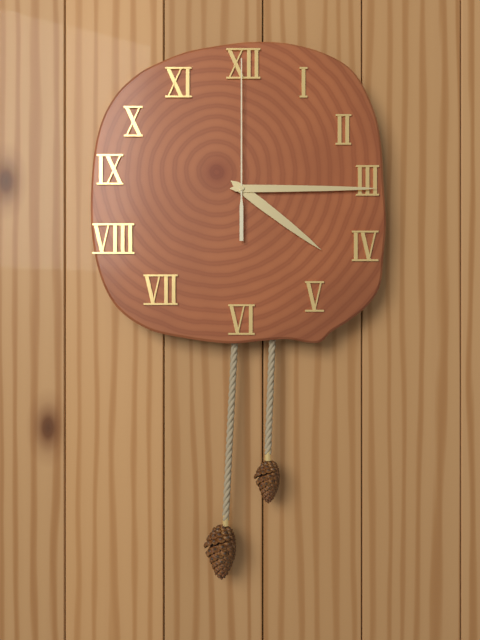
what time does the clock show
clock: 4:15:00
